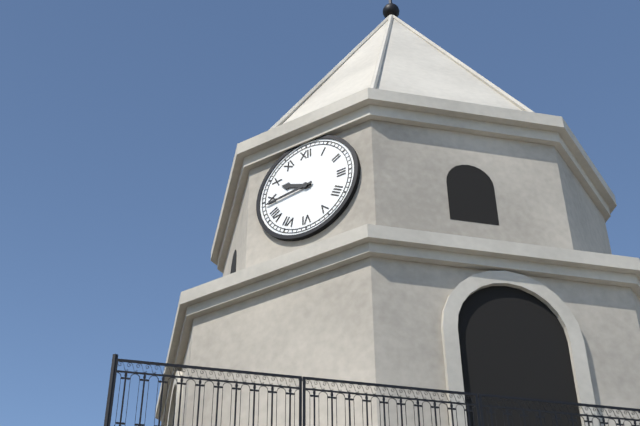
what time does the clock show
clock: 9:44
